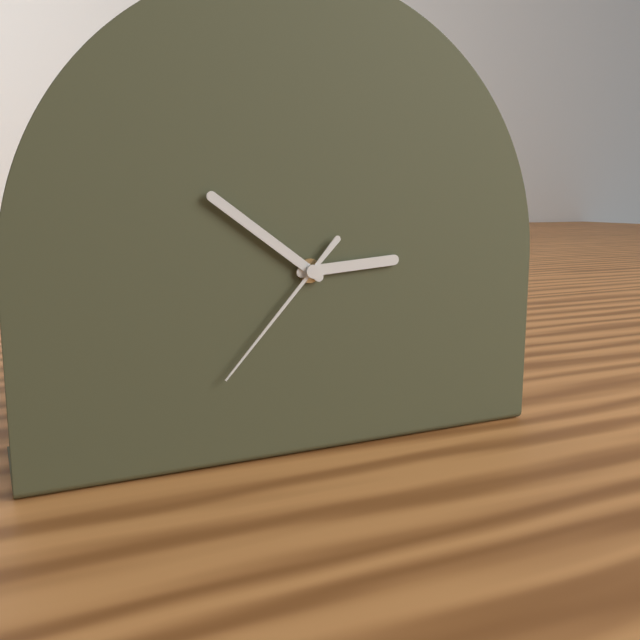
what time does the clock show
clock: 2:51:37
